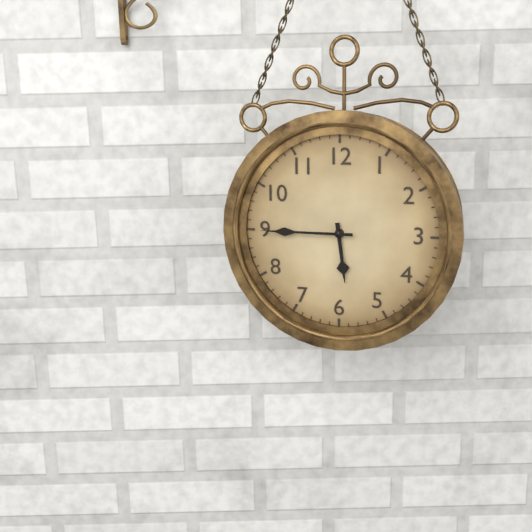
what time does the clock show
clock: 5:45
